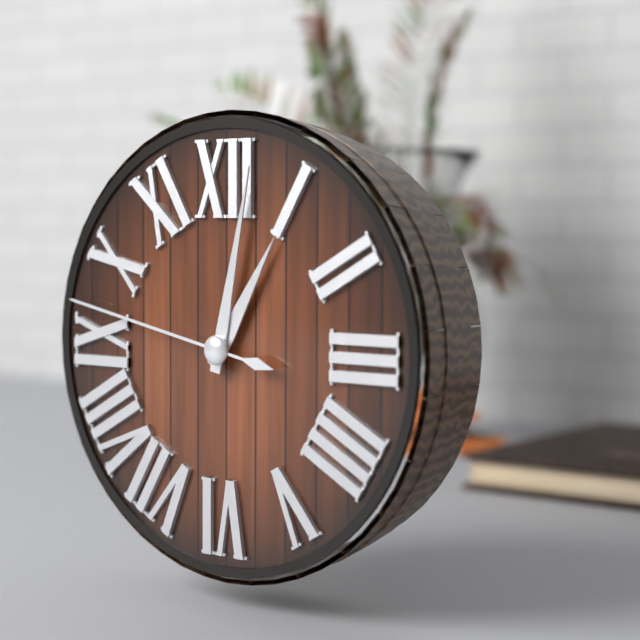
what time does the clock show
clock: 1:02:47
